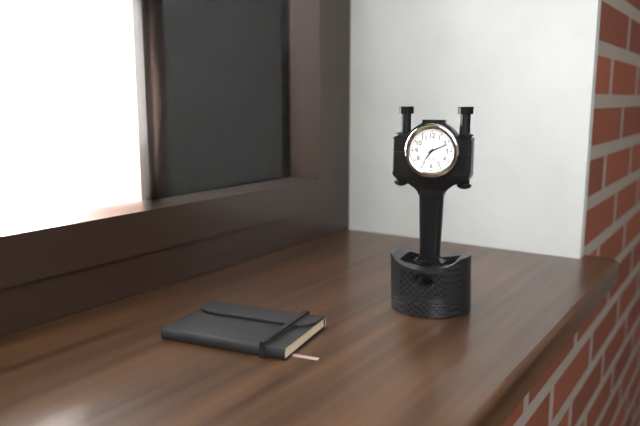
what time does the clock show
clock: 7:11
